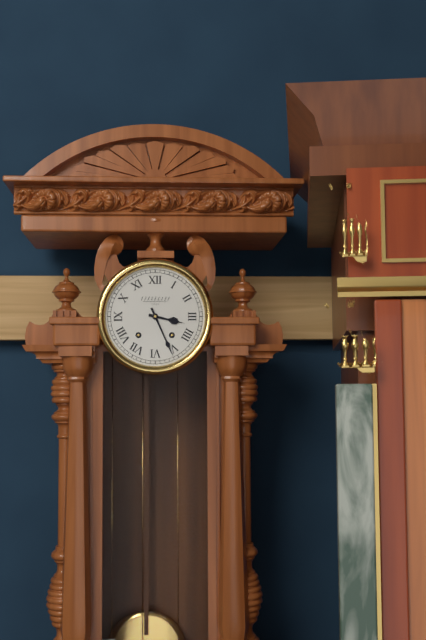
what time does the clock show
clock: 3:26
